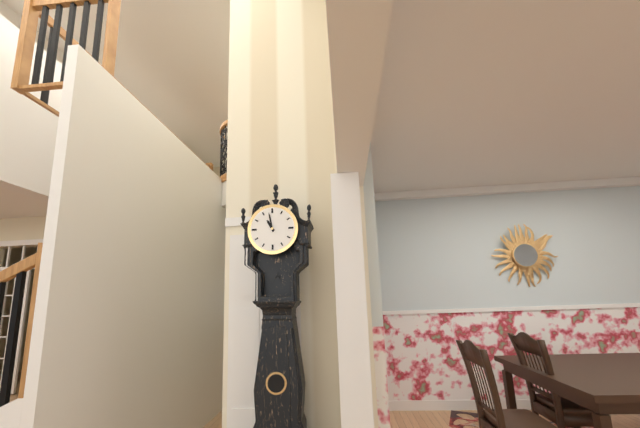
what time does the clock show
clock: 10:58
